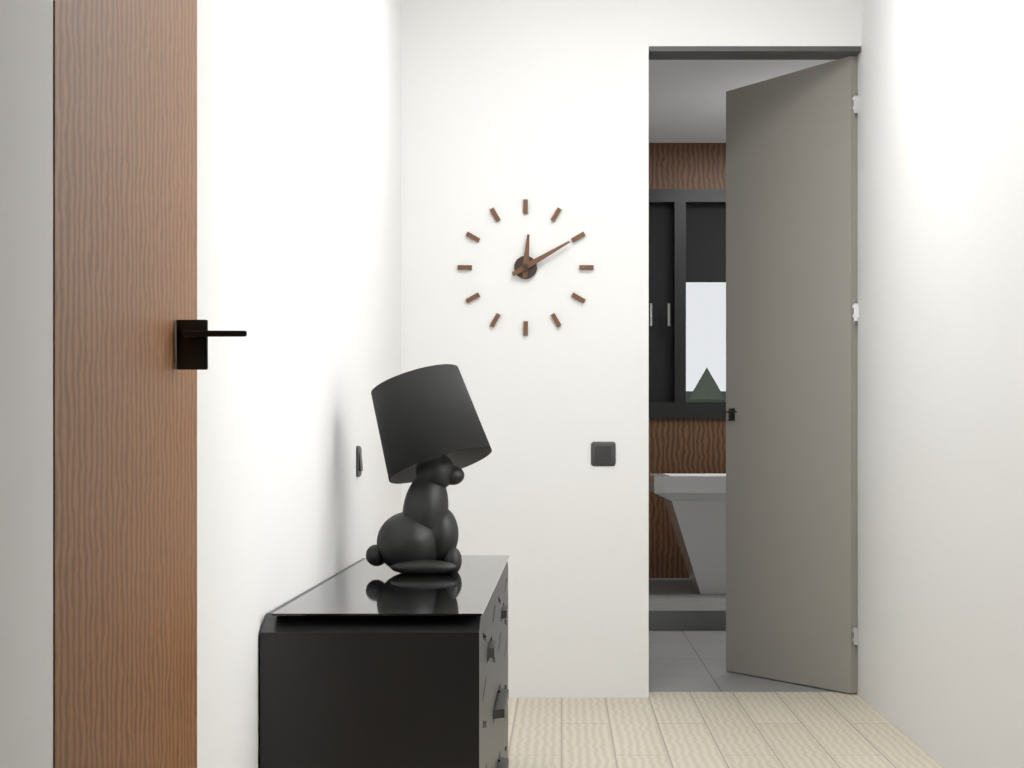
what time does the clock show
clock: 12:10
